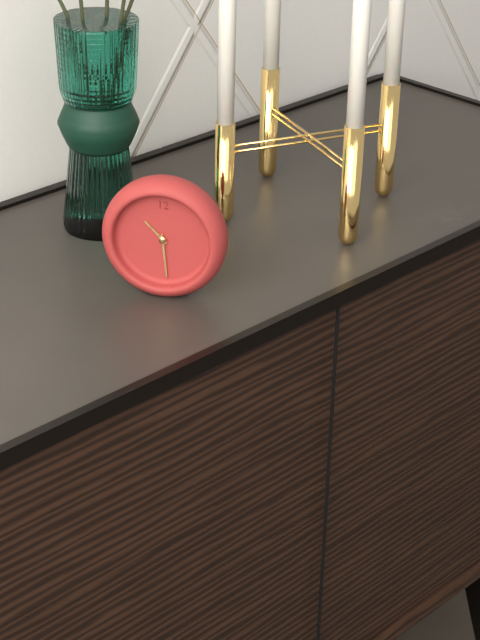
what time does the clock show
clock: 10:29
